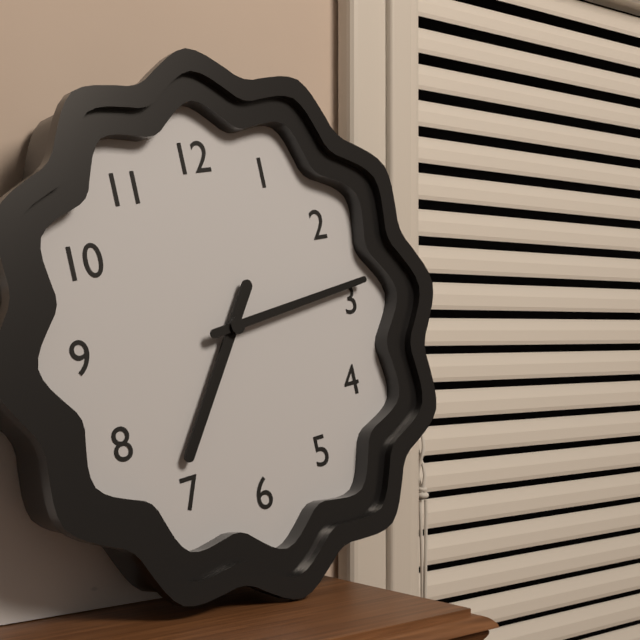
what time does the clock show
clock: 7:14
